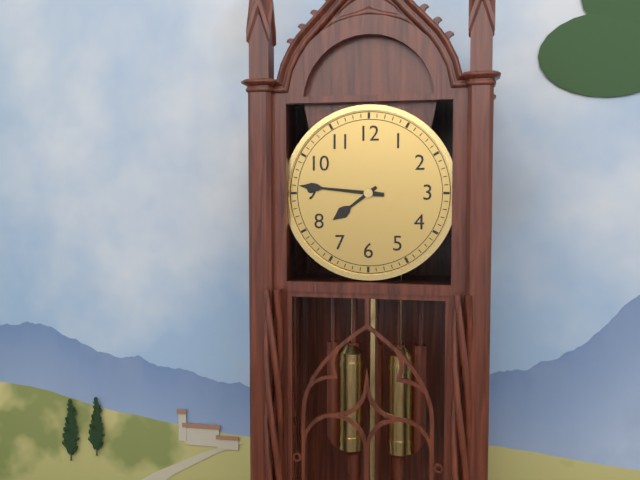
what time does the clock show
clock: 7:46
